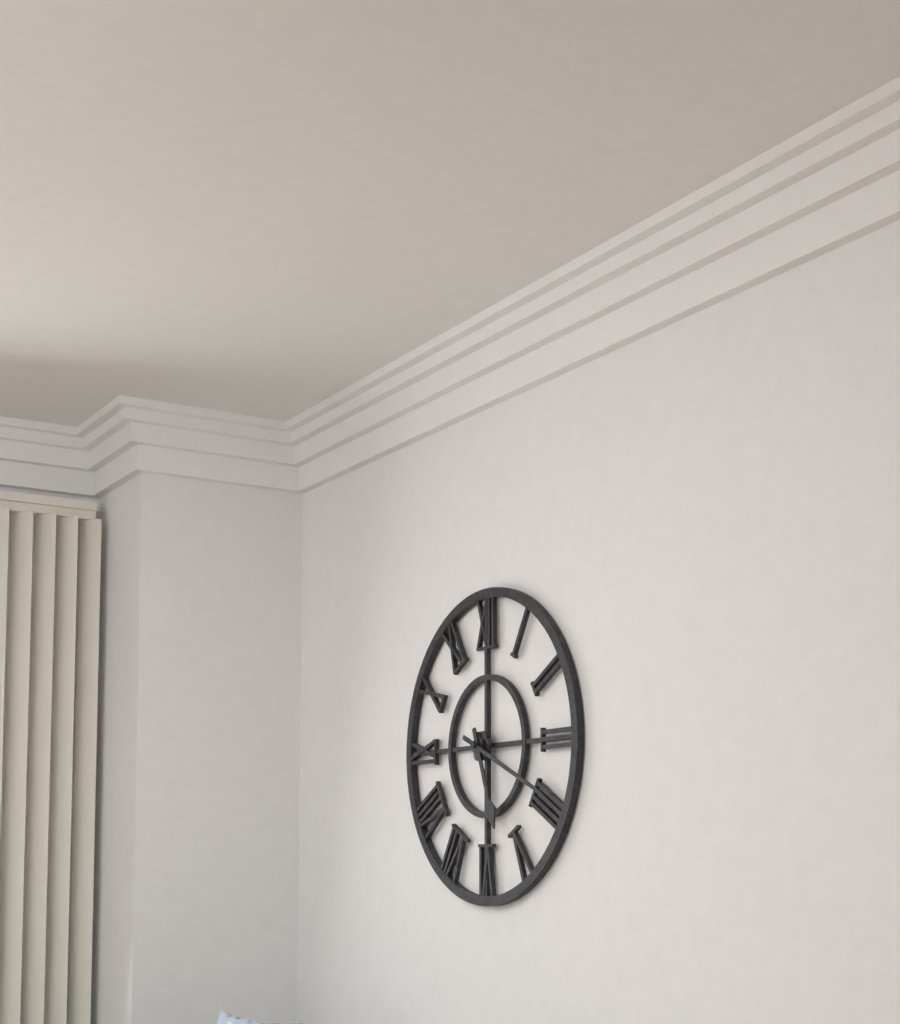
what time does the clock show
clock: 5:19
